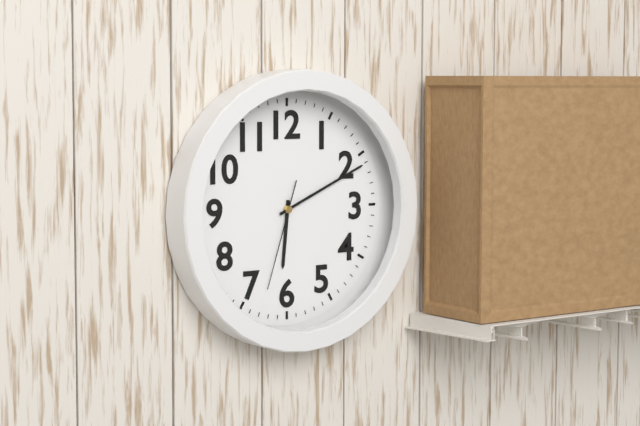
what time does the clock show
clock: 6:11:33
